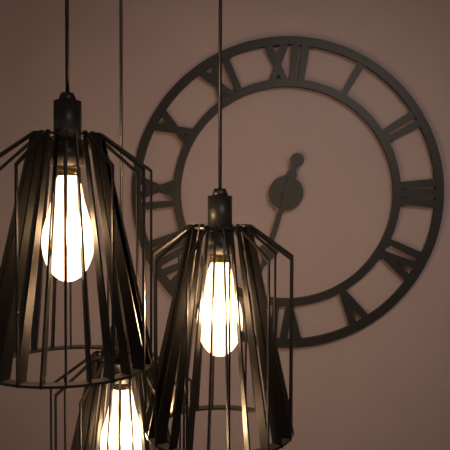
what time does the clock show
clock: 6:33
